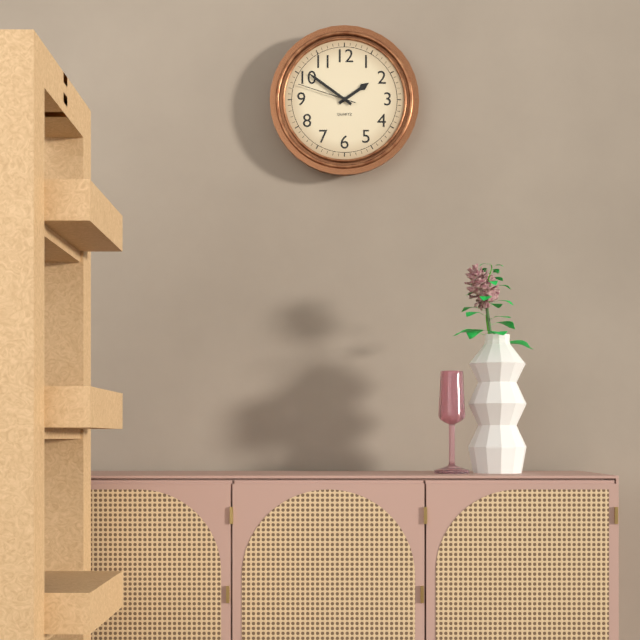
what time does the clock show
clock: 1:51:48
